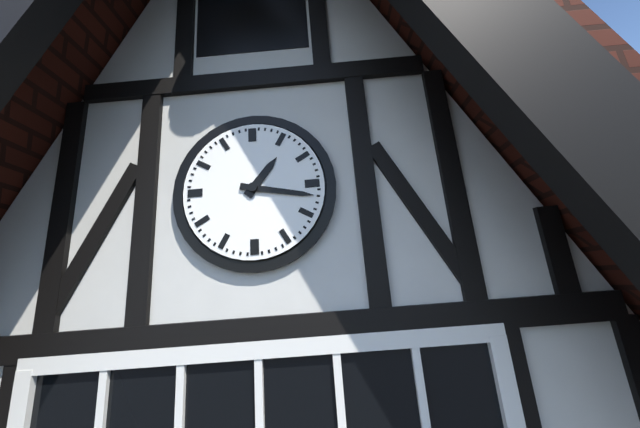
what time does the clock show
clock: 1:17
